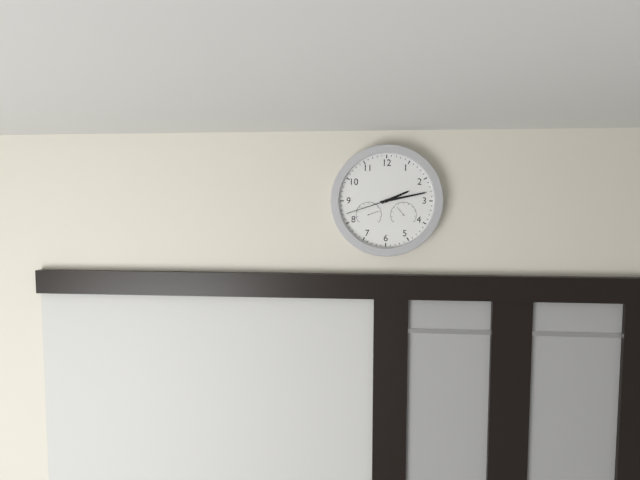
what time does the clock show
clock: 2:13:42
